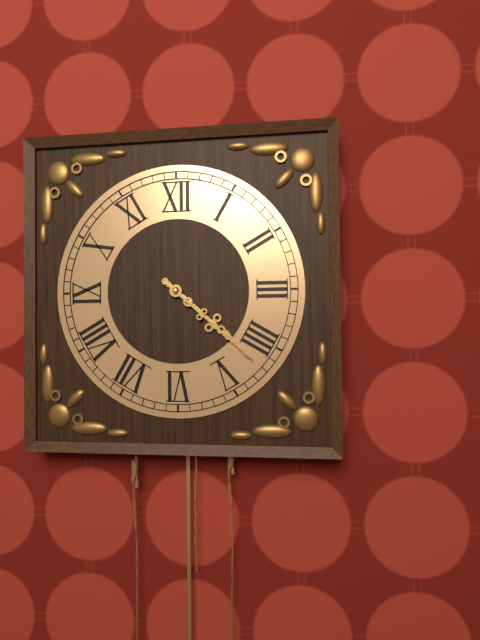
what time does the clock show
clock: 4:22
